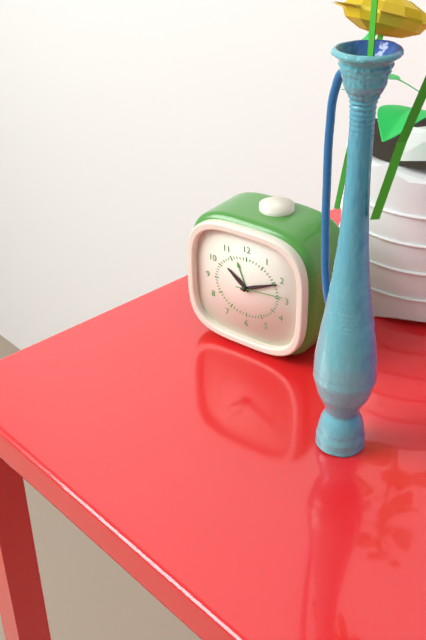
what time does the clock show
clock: 10:11
